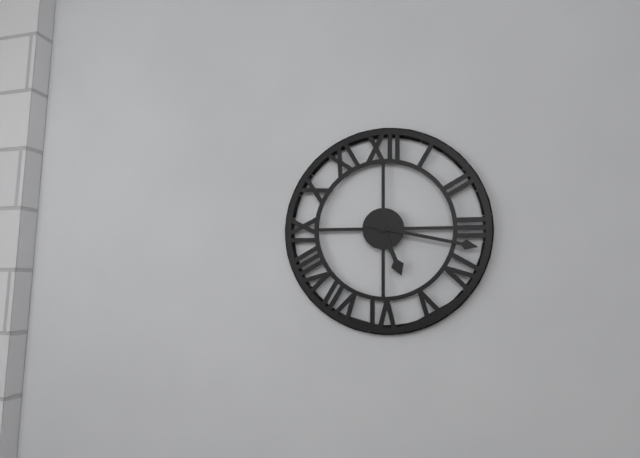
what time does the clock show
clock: 5:17
